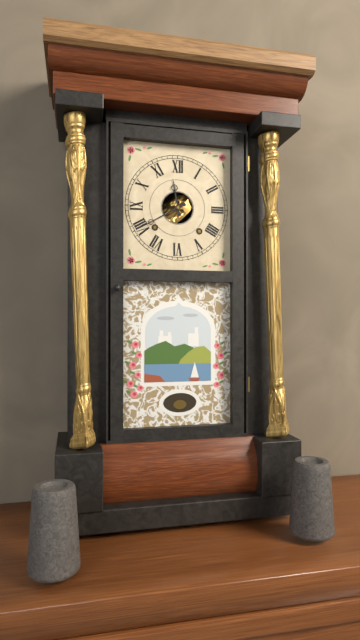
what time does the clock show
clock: 11:40
